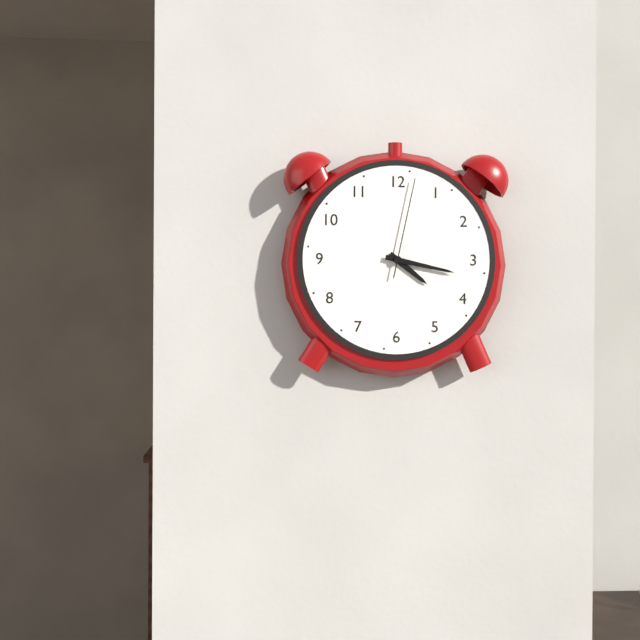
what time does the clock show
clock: 4:17:02
